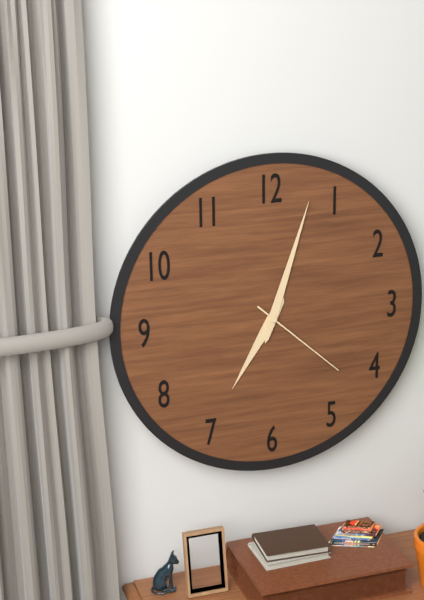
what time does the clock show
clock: 7:03:22
